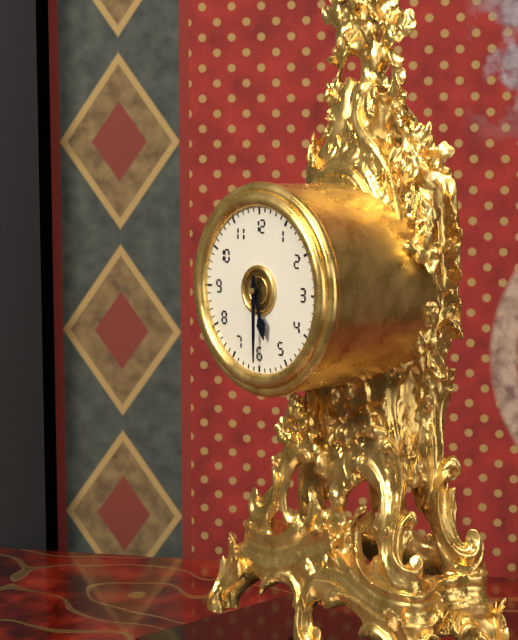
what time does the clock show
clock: 5:30
